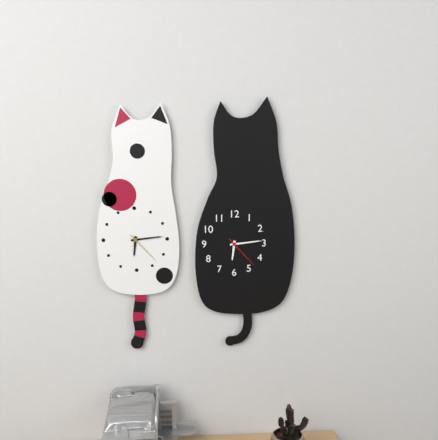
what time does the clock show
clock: 6:14
